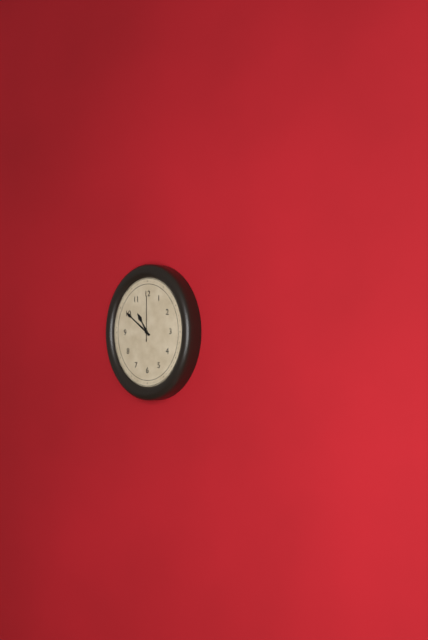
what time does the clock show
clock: 10:51
